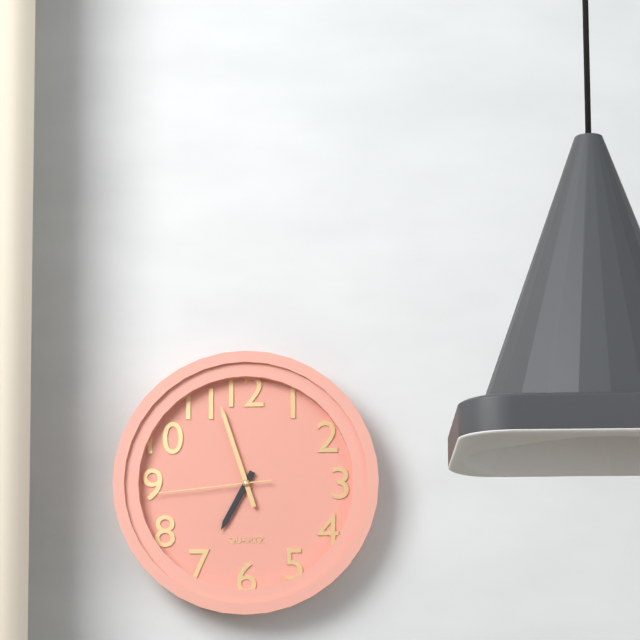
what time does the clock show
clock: 6:57:44
